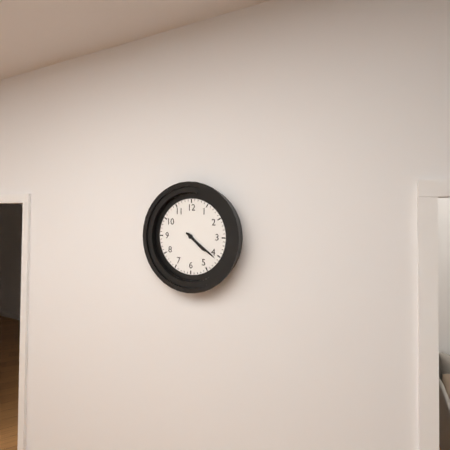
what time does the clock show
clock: 4:21
